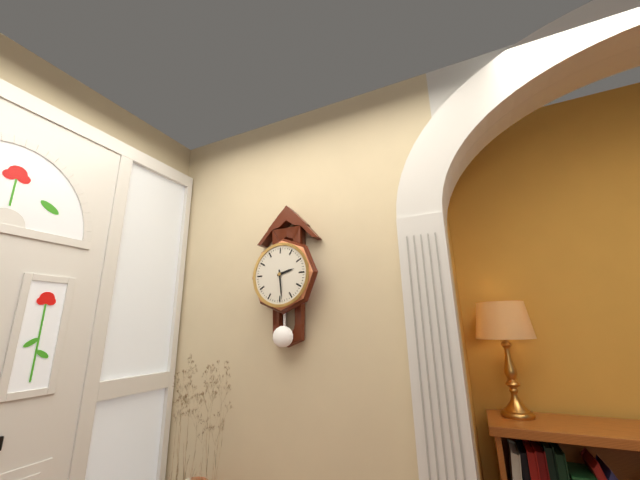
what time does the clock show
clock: 2:29
